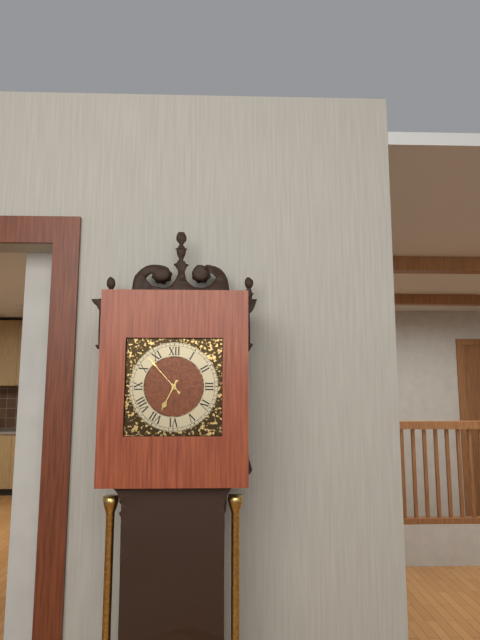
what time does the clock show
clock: 6:53
